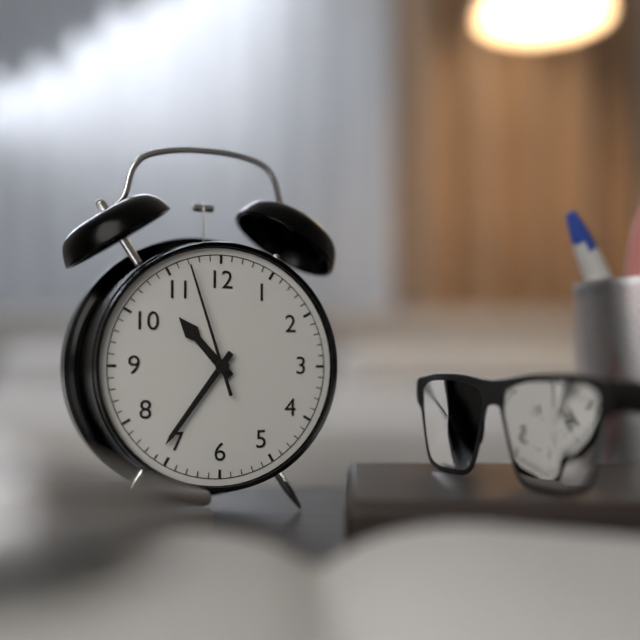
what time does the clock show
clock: 10:36:57
